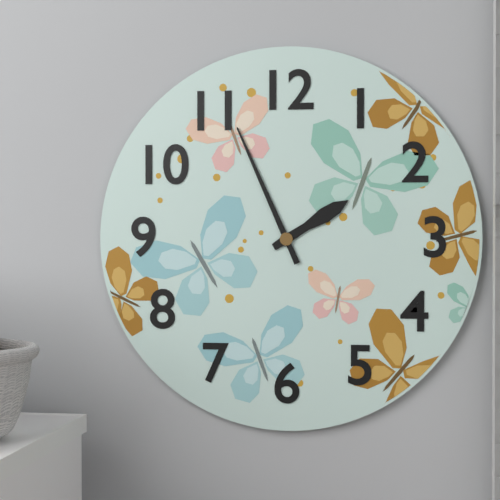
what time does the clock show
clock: 1:56
